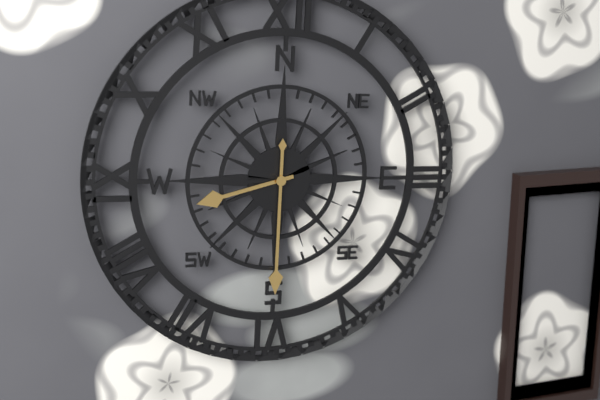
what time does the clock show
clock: 8:30
